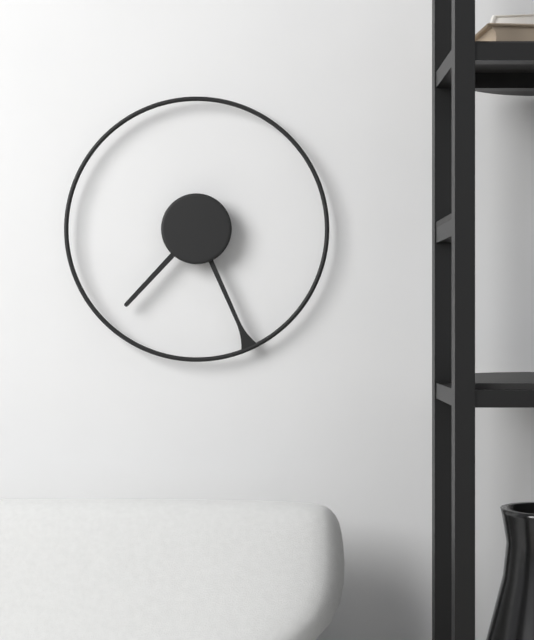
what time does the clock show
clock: 7:26
